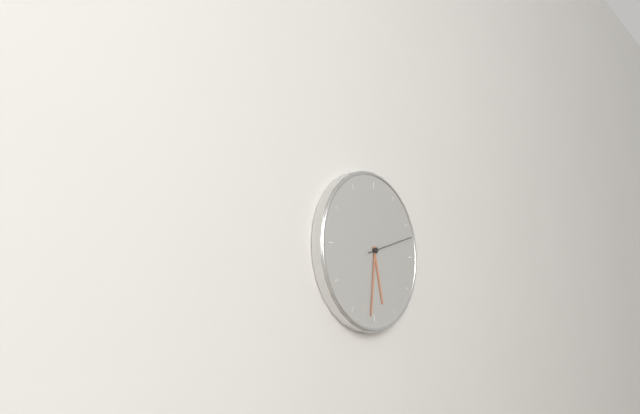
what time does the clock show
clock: 5:31
